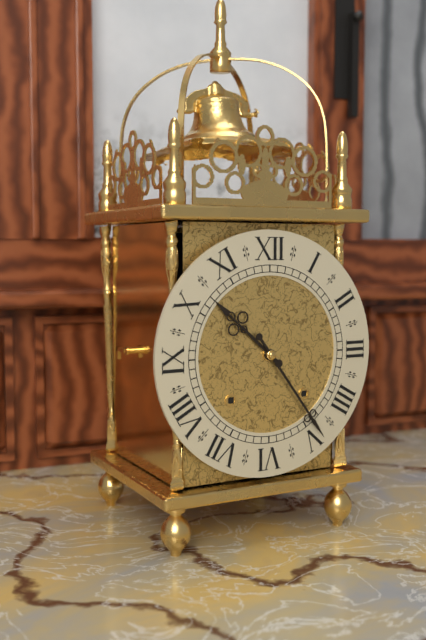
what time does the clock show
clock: 10:24
